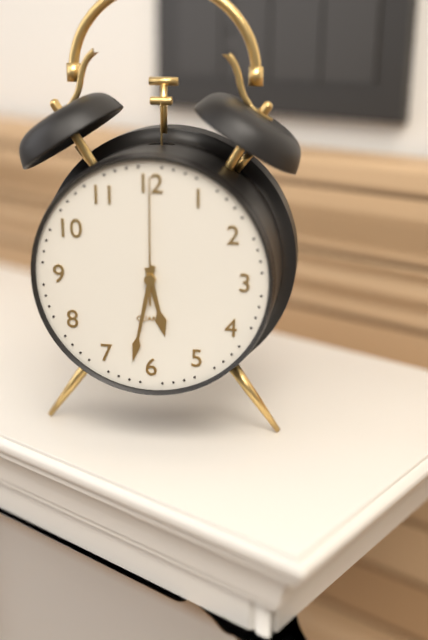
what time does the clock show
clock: 5:32:00
